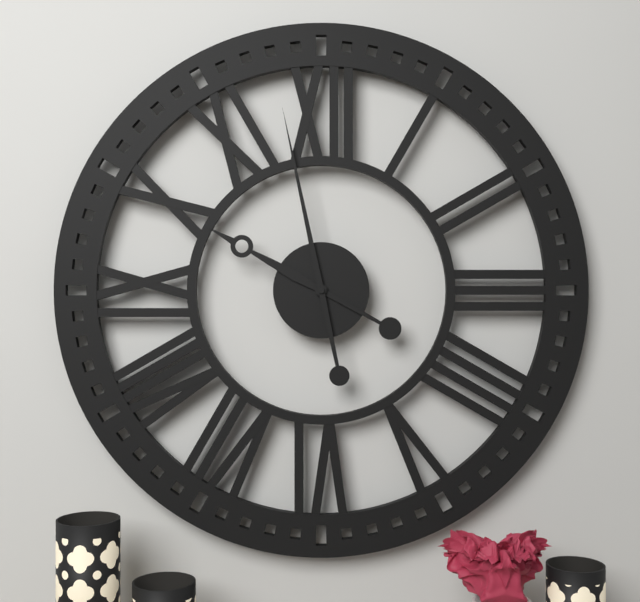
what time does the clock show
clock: 9:58
